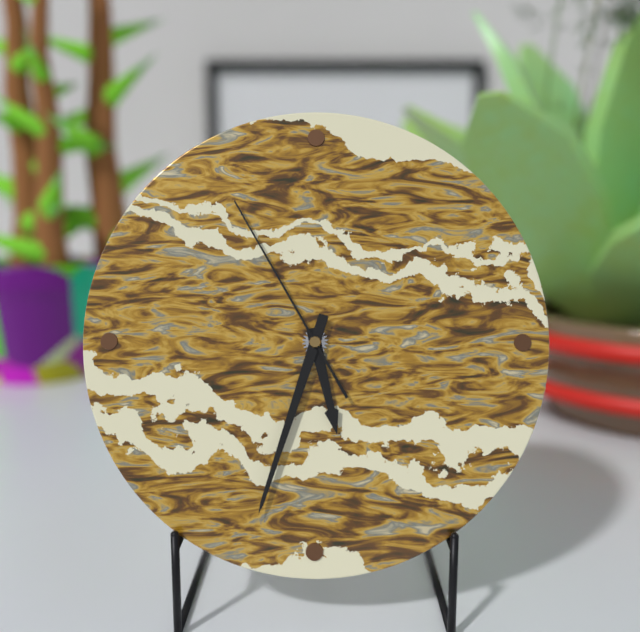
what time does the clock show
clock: 5:33:55
